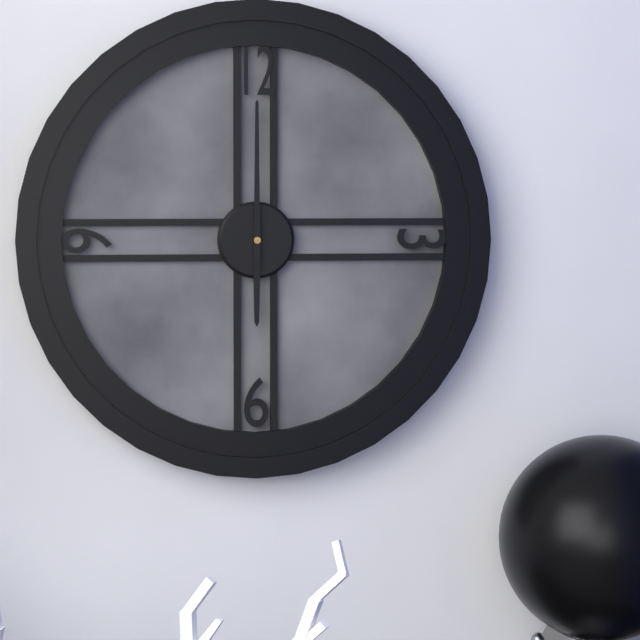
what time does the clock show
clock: 6:00
